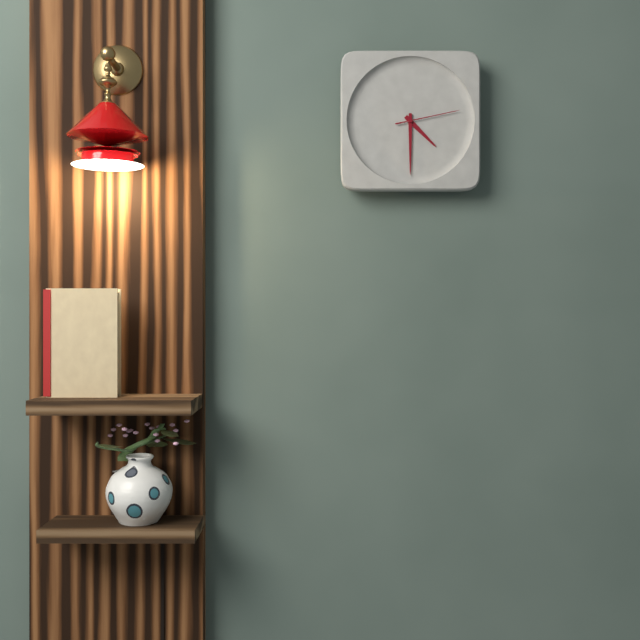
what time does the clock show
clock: 4:30:13
